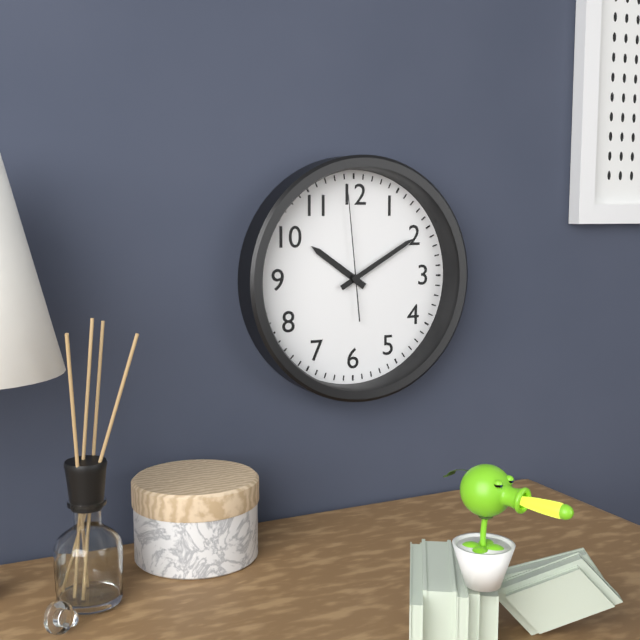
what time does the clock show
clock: 10:10:59
